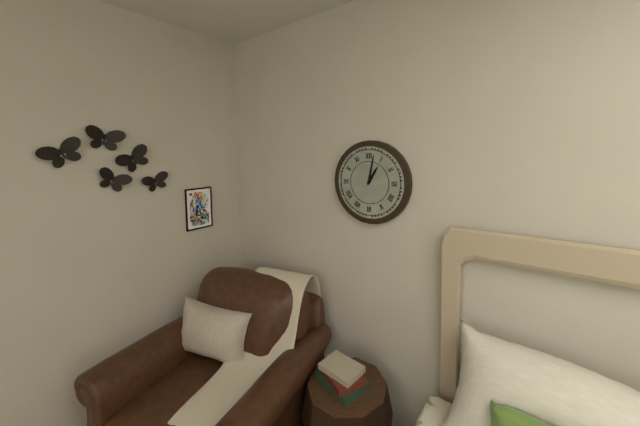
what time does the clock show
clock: 1:02
